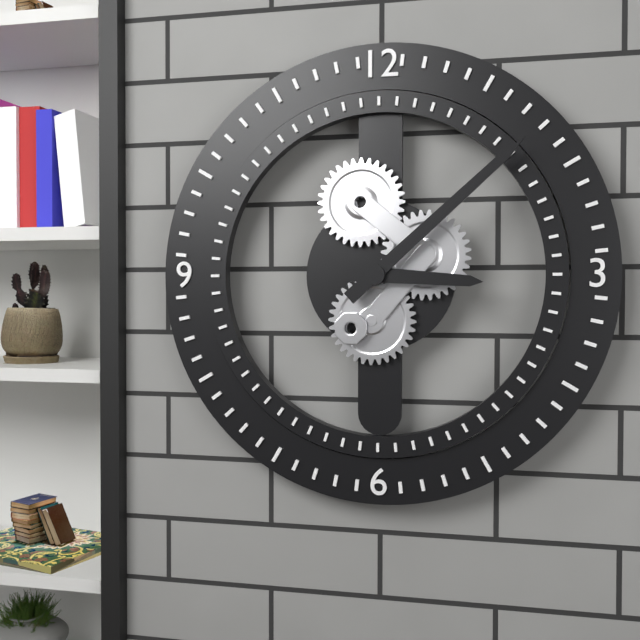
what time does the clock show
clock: 3:08
